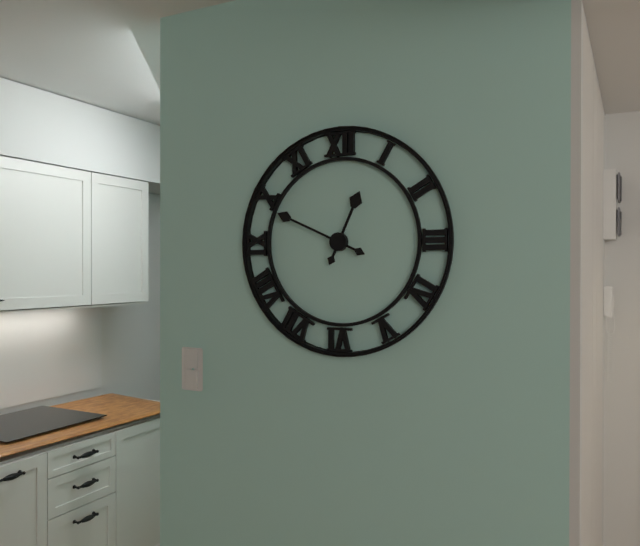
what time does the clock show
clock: 12:49
